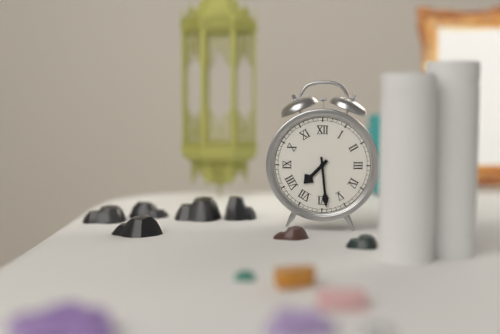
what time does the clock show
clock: 7:29
